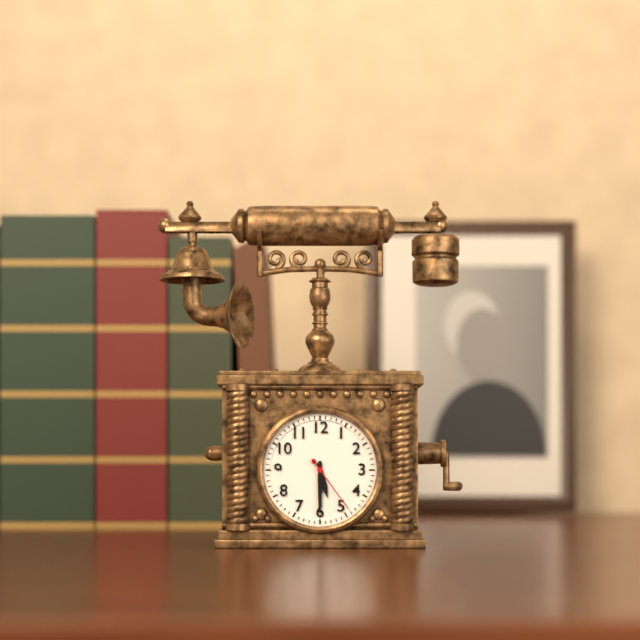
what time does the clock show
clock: 5:30:24
